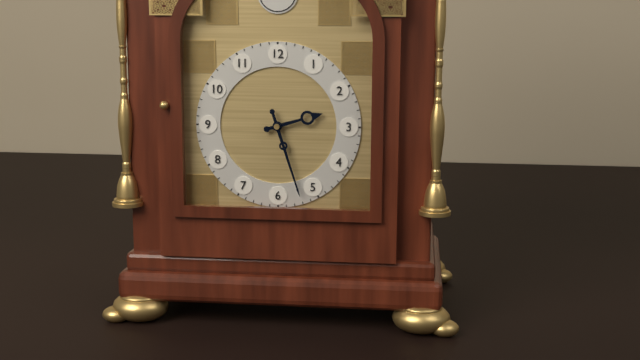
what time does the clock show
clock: 2:27
